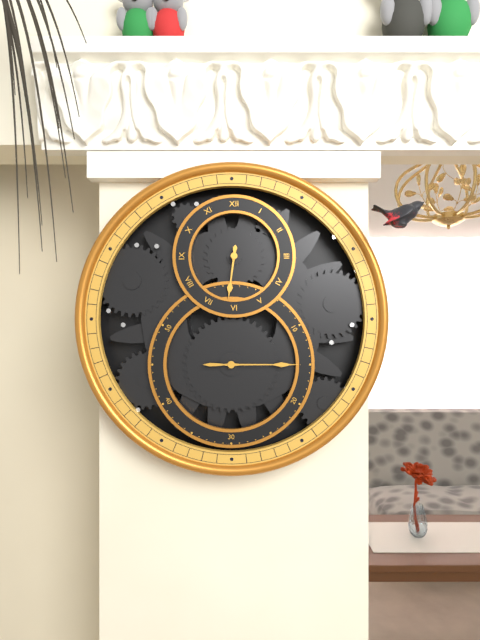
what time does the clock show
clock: 6:15
